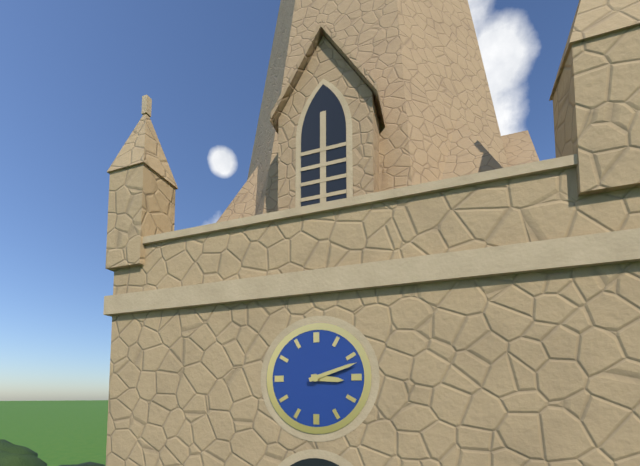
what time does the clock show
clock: 3:12
